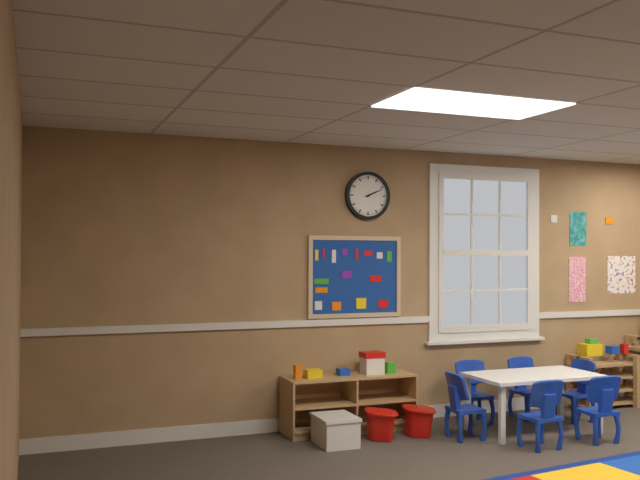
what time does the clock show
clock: 2:11
